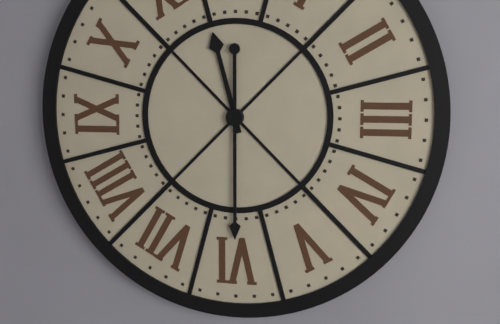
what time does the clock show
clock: 11:30
